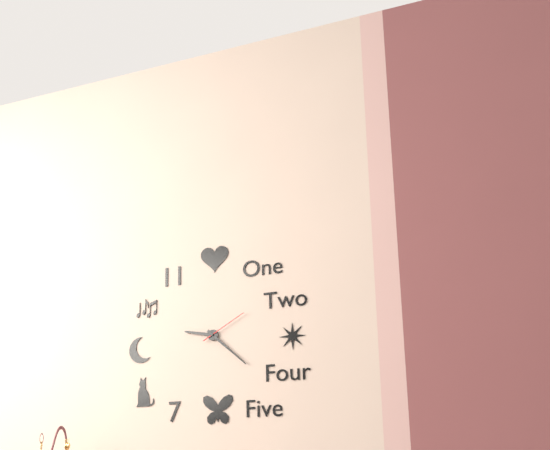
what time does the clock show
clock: 9:22
